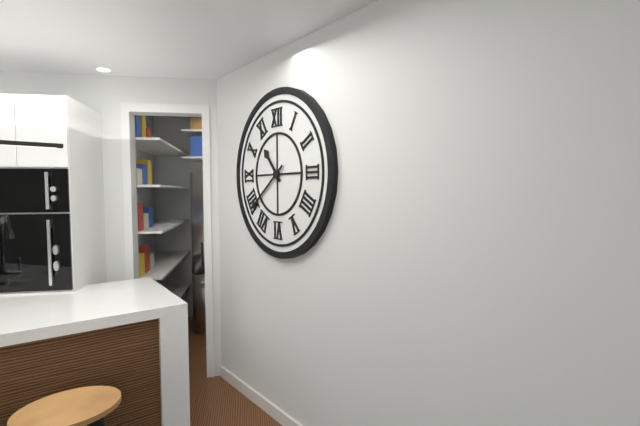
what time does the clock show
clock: 10:39
